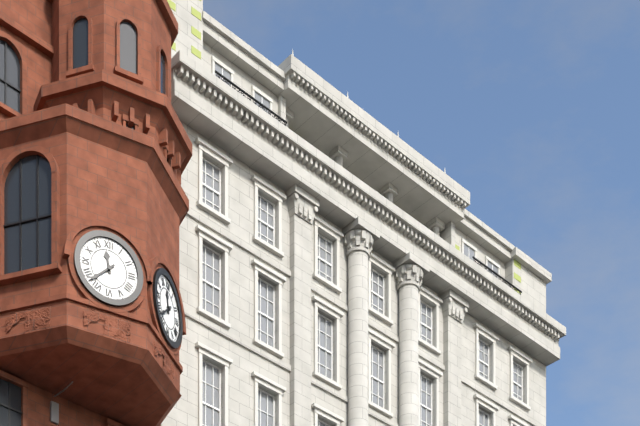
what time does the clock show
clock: 11:38
